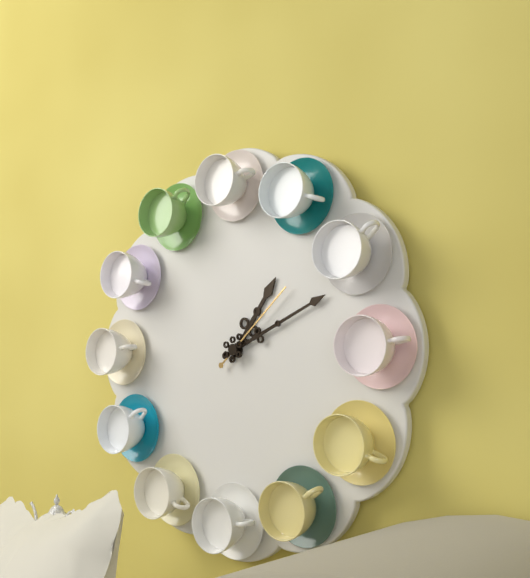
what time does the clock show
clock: 1:11:08
